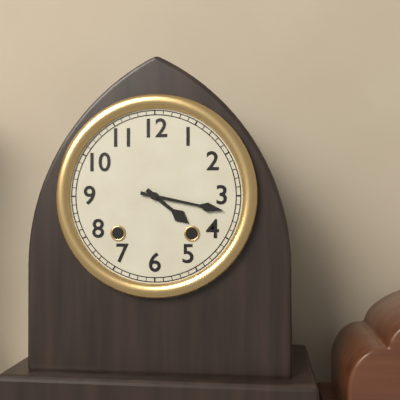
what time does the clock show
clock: 4:17
